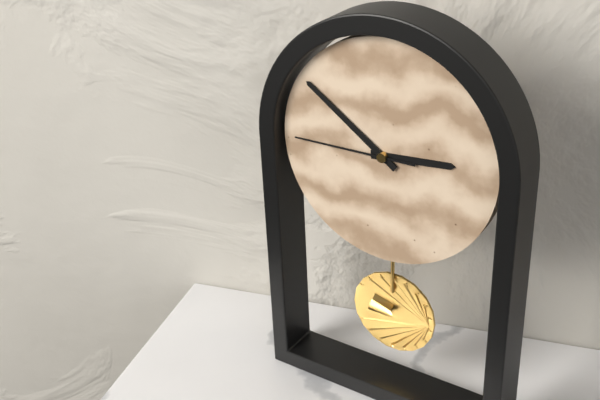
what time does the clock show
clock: 2:51:45
